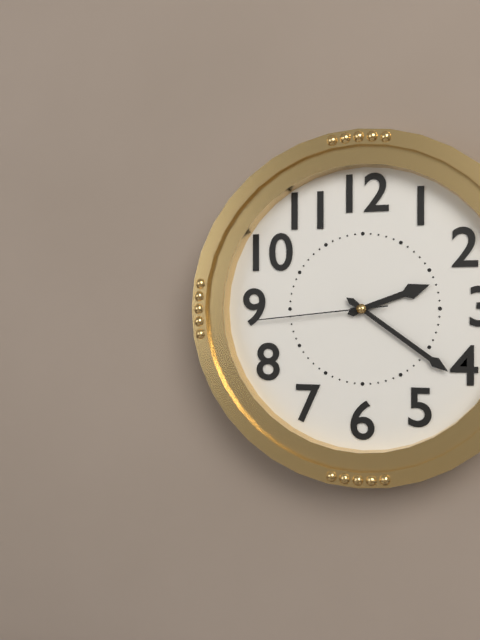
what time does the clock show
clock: 2:21:44
